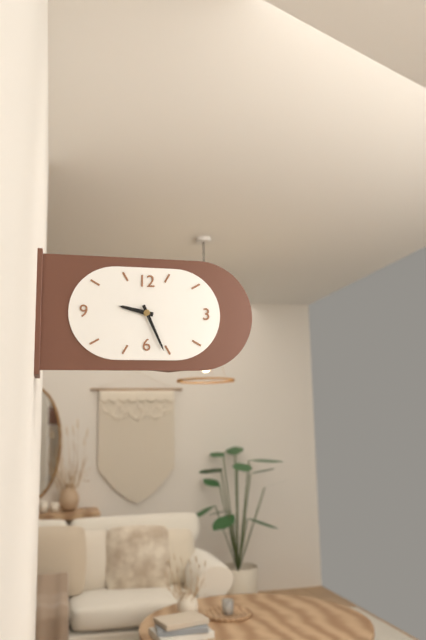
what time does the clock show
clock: 9:26
